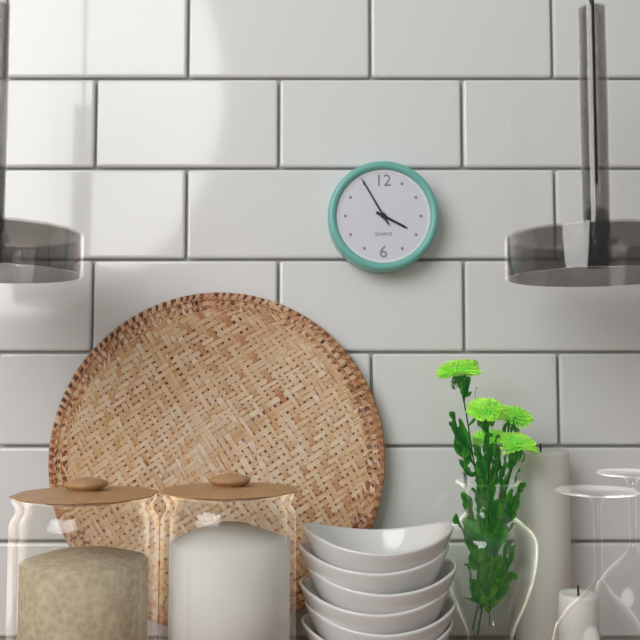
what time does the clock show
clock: 3:55
